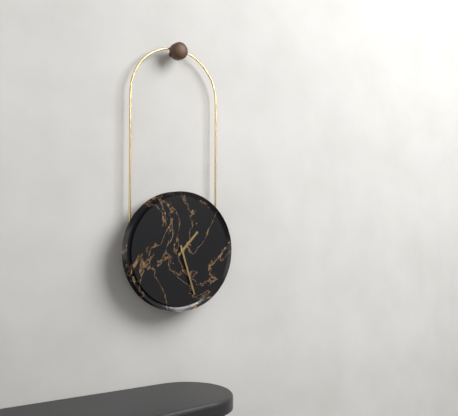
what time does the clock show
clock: 1:27
